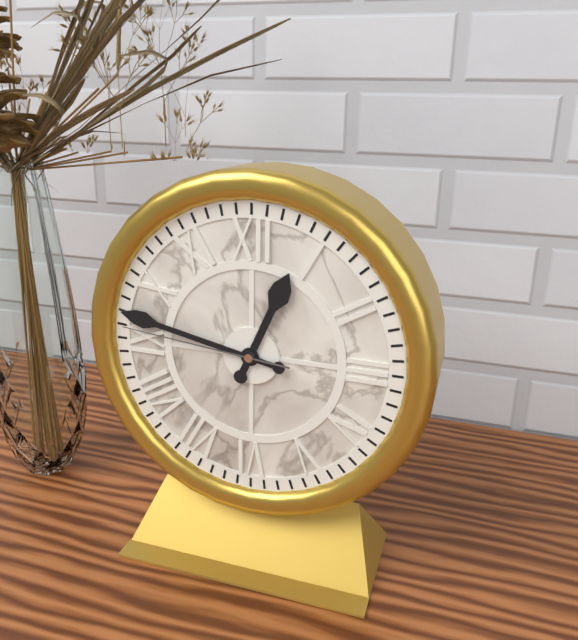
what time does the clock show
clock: 12:47:46
